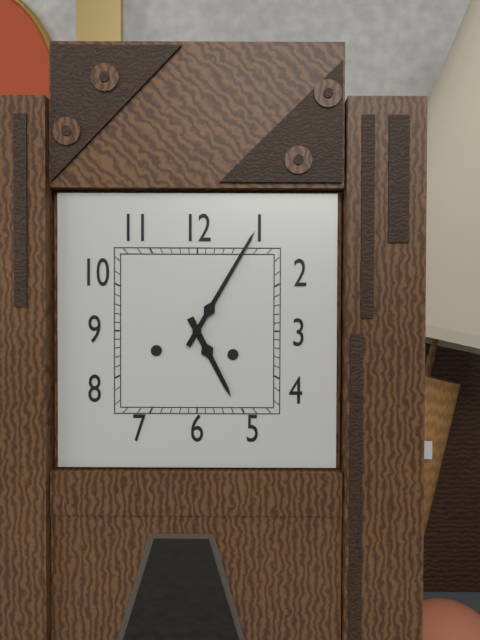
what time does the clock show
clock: 5:05
